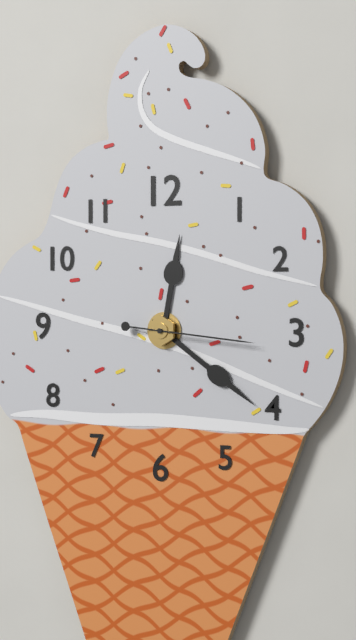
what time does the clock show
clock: 12:21:16
